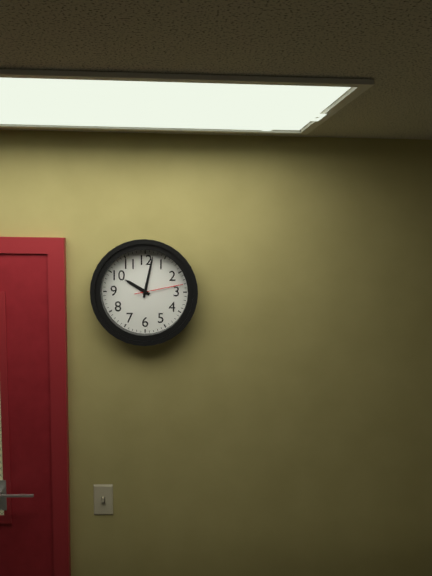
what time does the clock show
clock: 10:02
